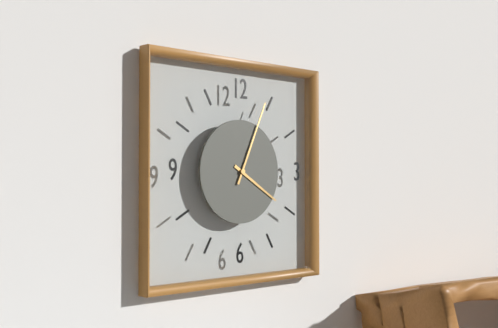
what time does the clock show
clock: 4:04
